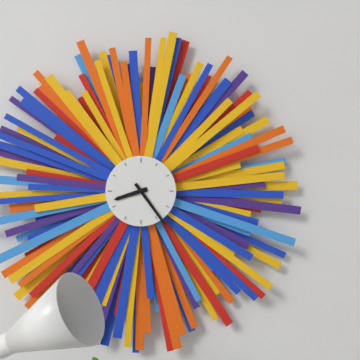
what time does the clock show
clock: 8:24
